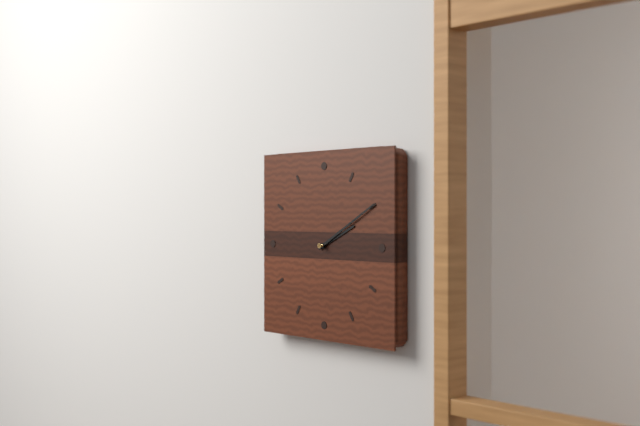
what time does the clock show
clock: 2:10
